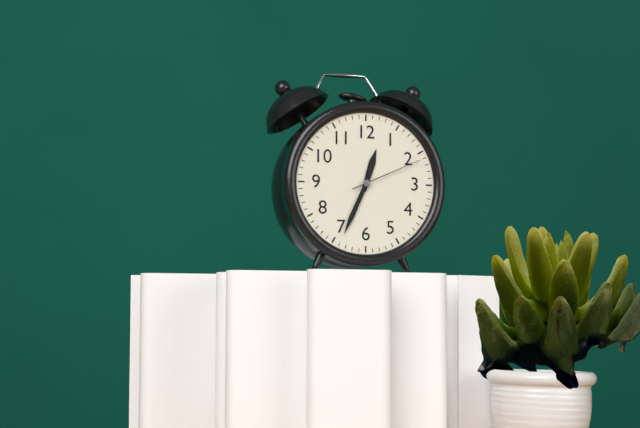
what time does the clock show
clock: 12:34:11
